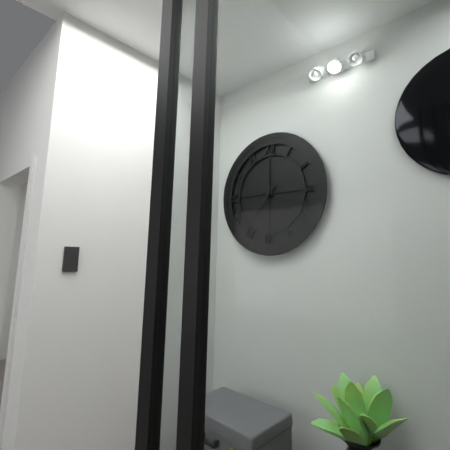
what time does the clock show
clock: 7:18
